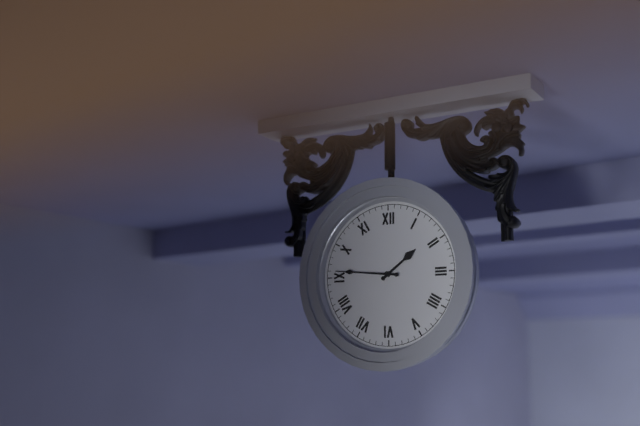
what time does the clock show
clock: 1:46
